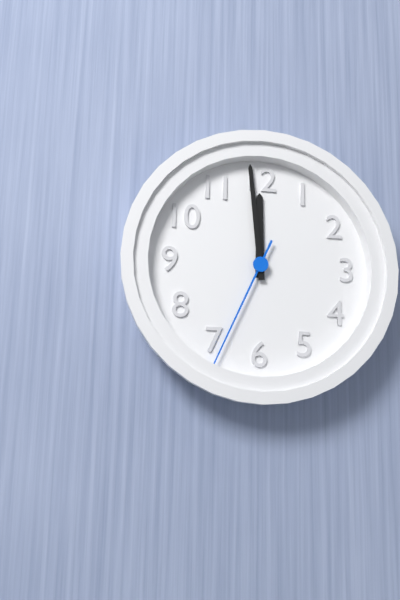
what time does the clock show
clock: 11:59:34
